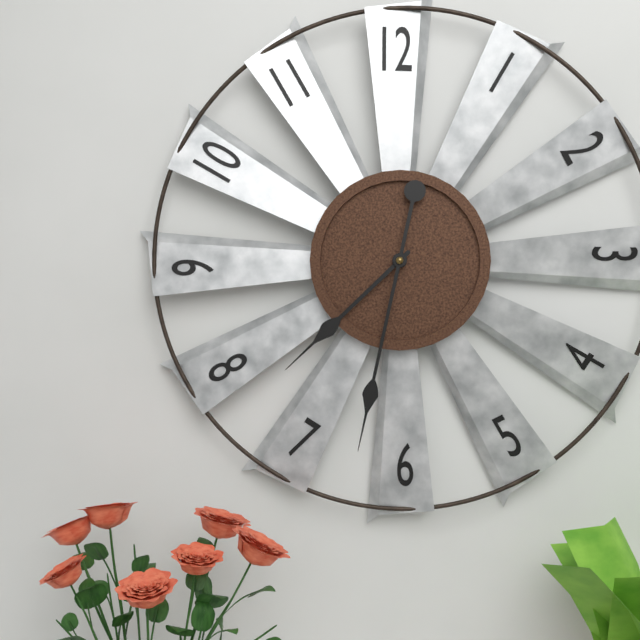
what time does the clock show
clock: 7:32
